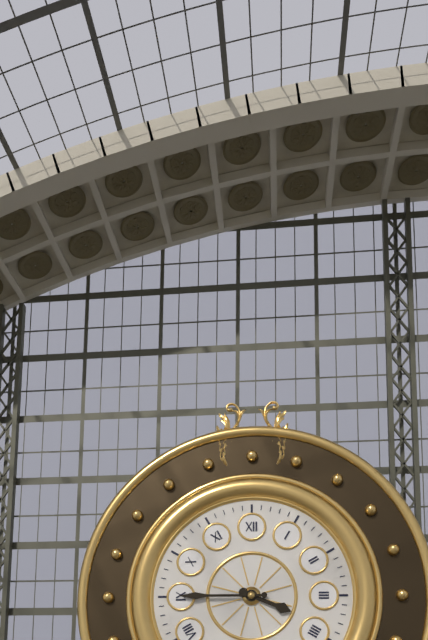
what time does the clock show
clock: 3:45
